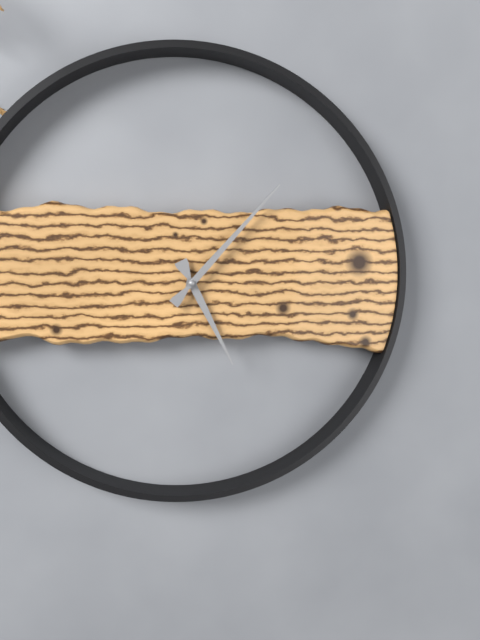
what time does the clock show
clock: 5:07
